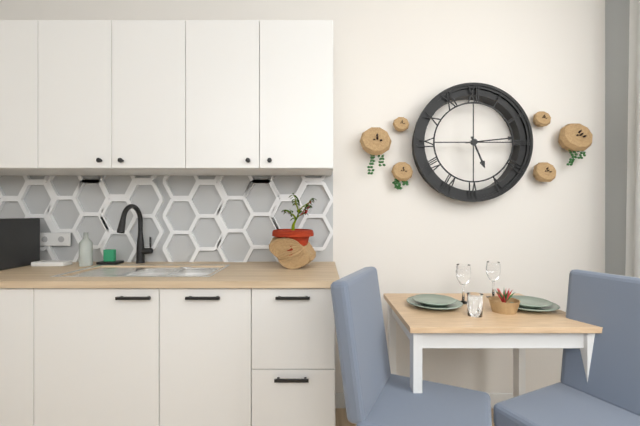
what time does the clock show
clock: 5:14
